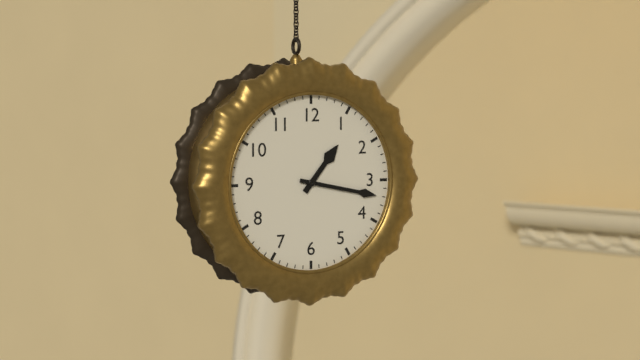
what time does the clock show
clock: 1:17
